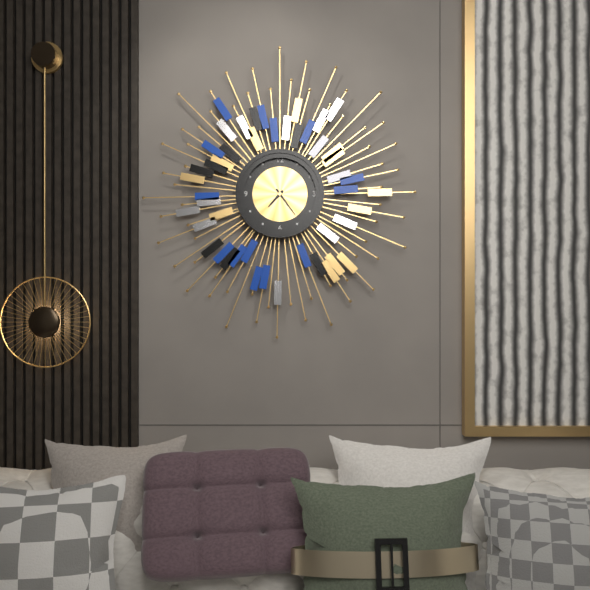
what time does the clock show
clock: 7:24
